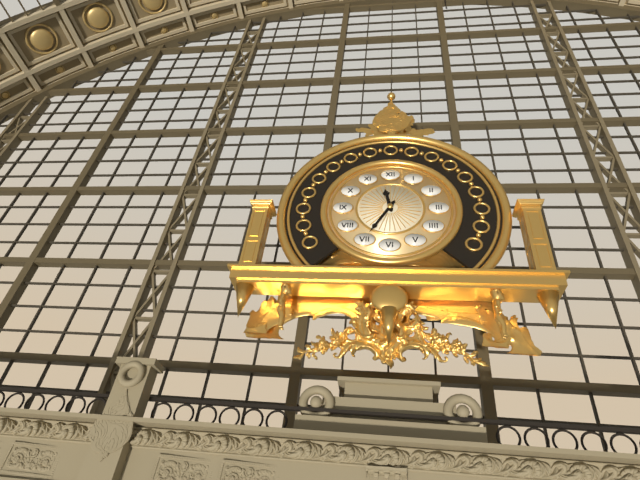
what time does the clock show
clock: 11:35
